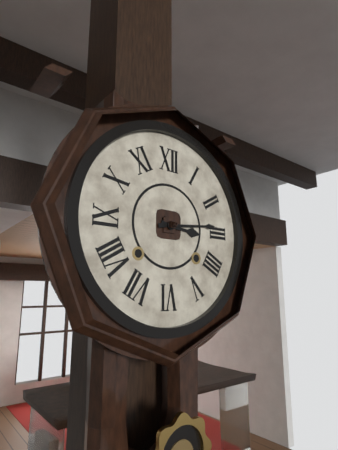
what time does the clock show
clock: 3:14
